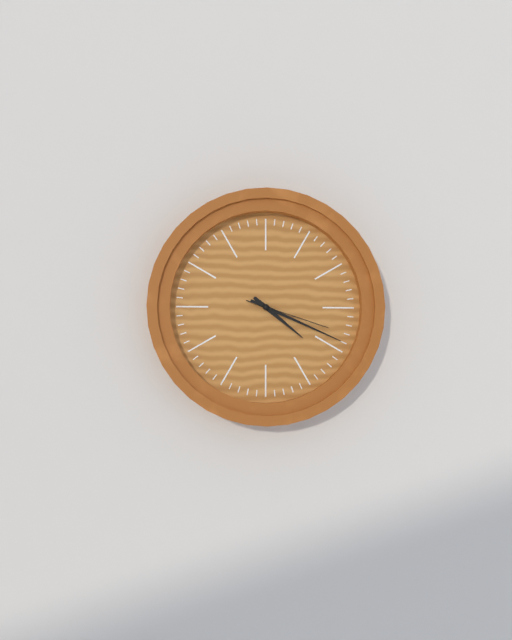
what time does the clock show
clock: 4:19:18
